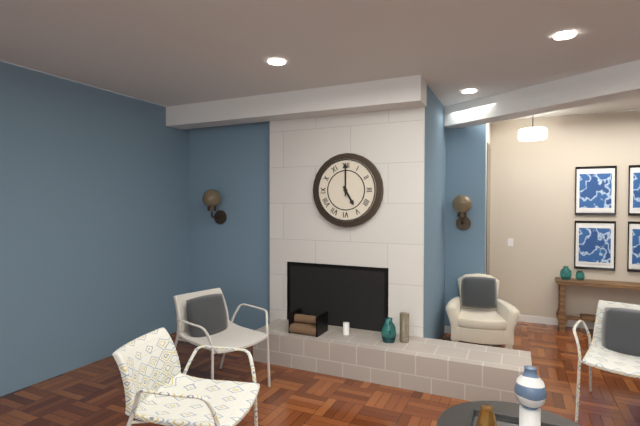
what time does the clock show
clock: 5:00
